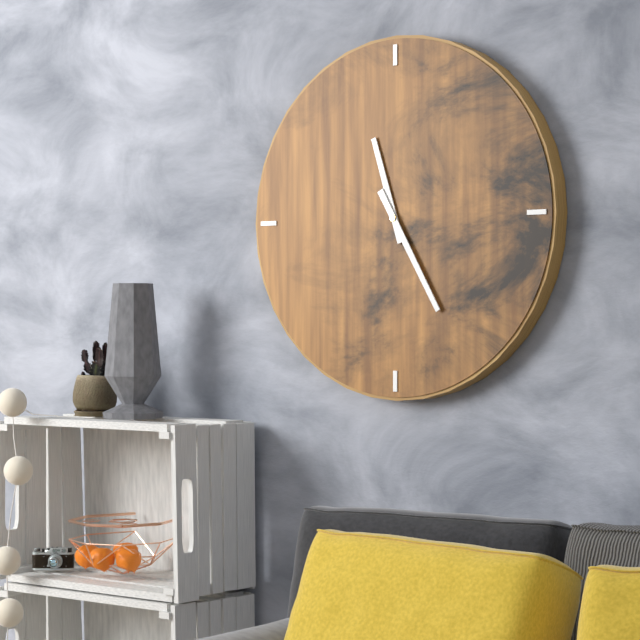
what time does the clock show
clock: 11:25
